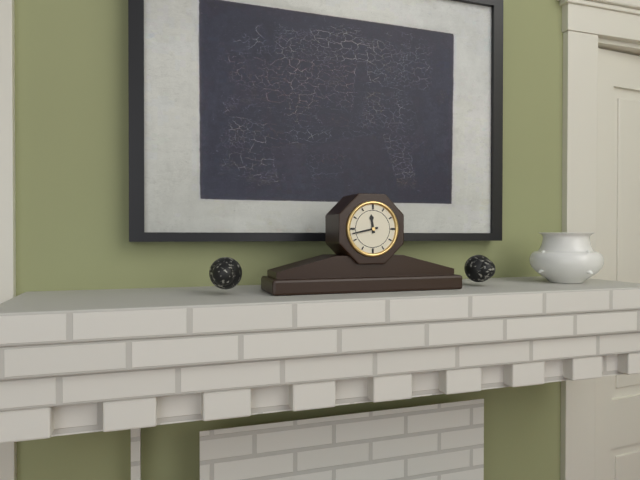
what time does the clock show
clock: 11:43
